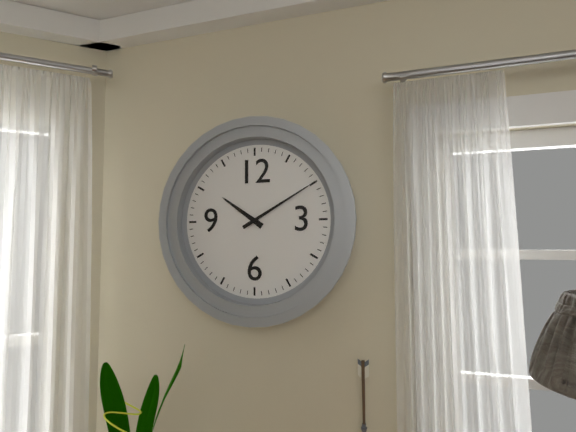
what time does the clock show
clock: 10:10
